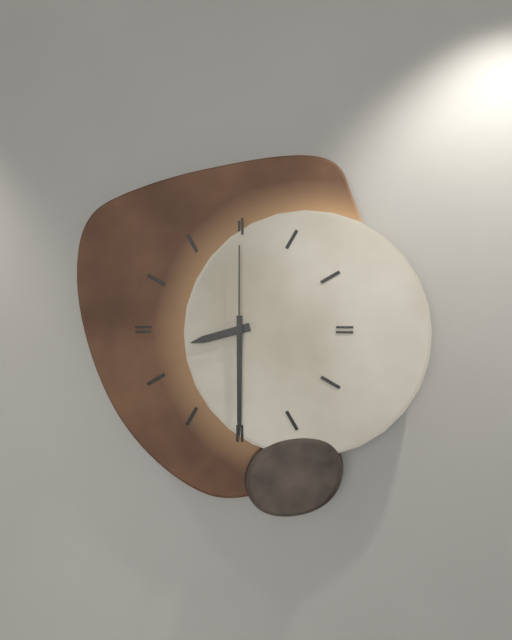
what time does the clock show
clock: 8:30:00
